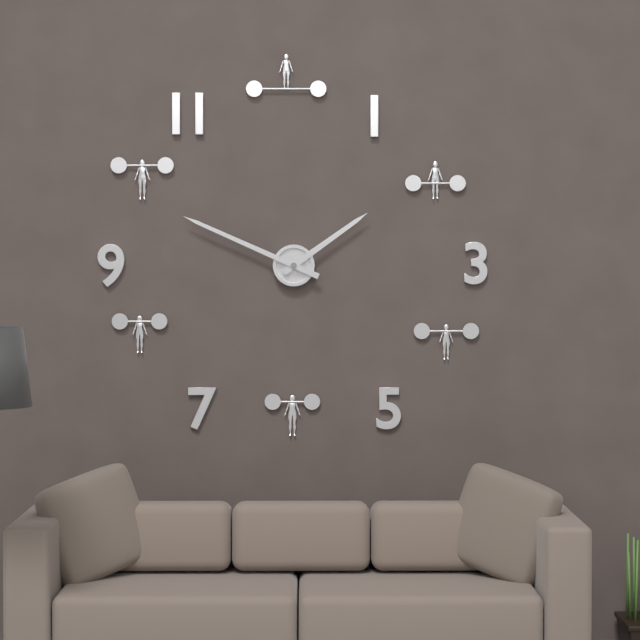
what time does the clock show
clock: 1:49
